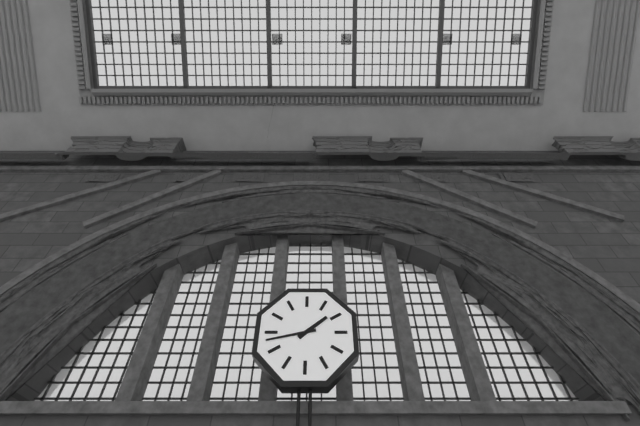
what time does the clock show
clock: 1:43
